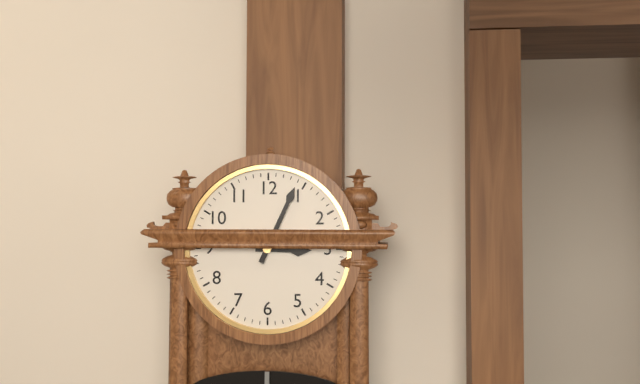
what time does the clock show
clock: 3:04
